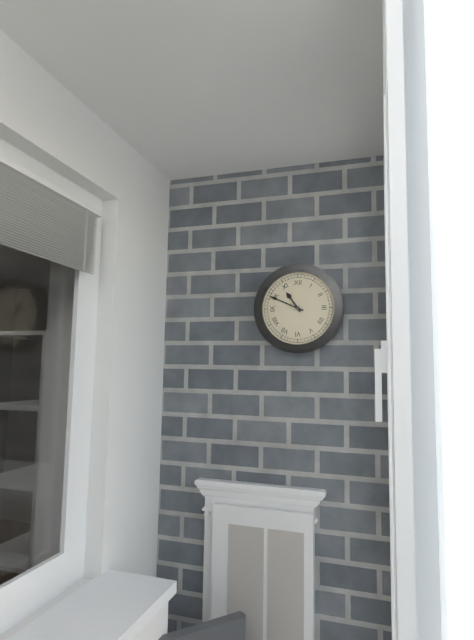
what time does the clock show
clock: 10:49
